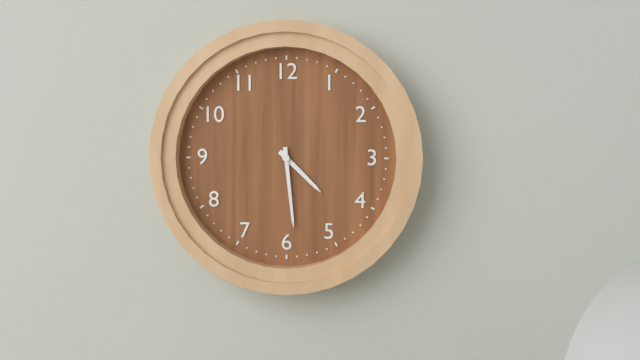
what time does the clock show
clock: 4:29
